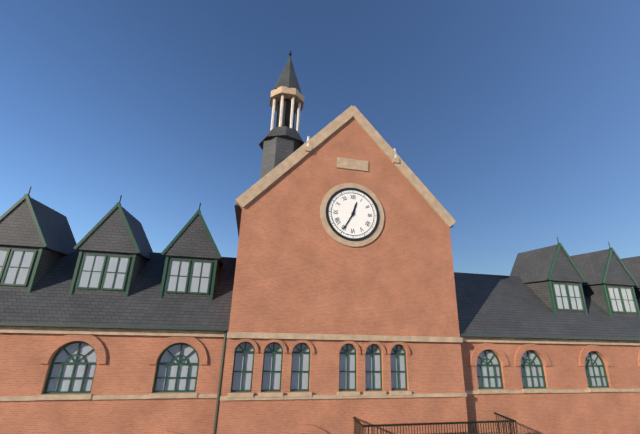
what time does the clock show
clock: 12:35
